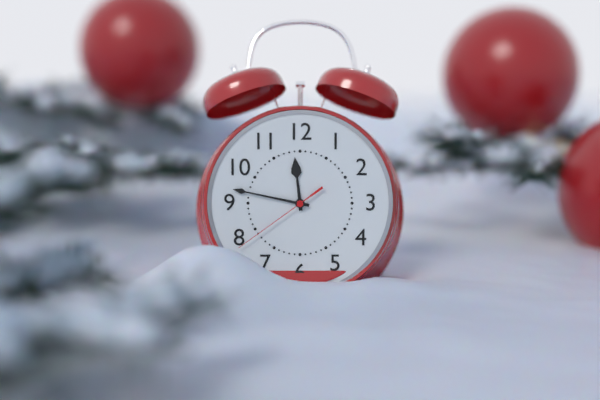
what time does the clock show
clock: 11:47:39
